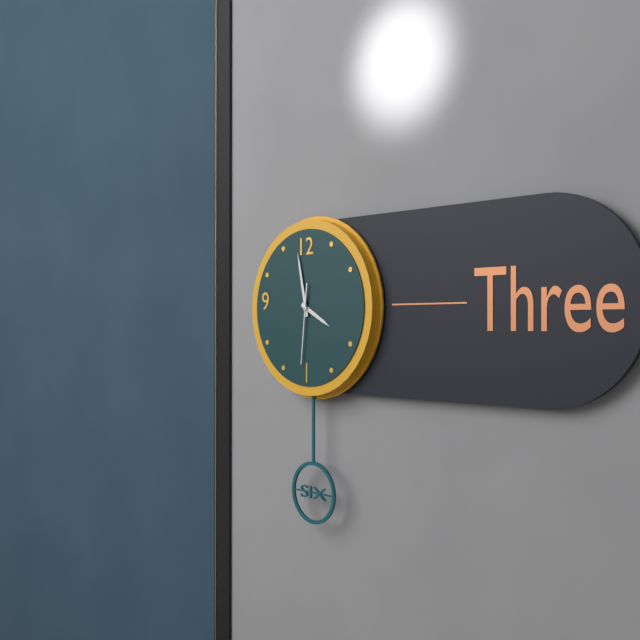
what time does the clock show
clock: 3:58:31
